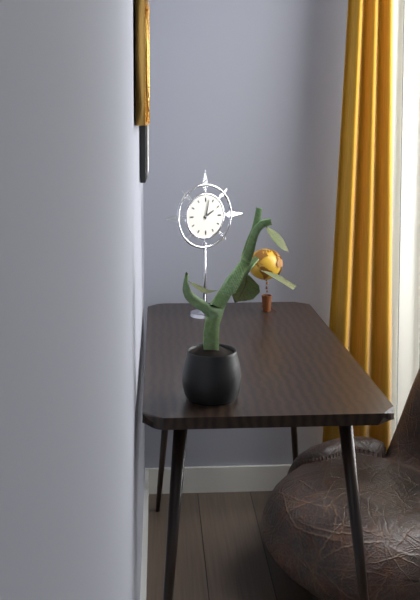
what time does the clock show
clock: 2:02
